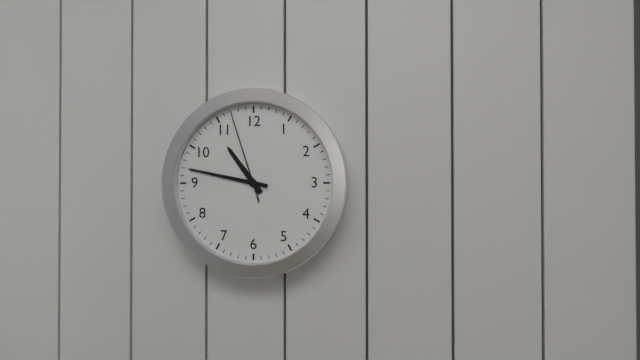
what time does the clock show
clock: 10:47:57
